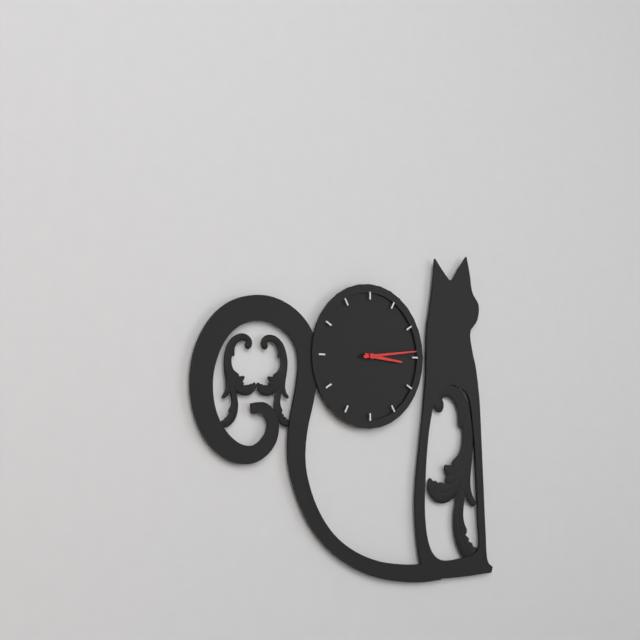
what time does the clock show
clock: 3:14
